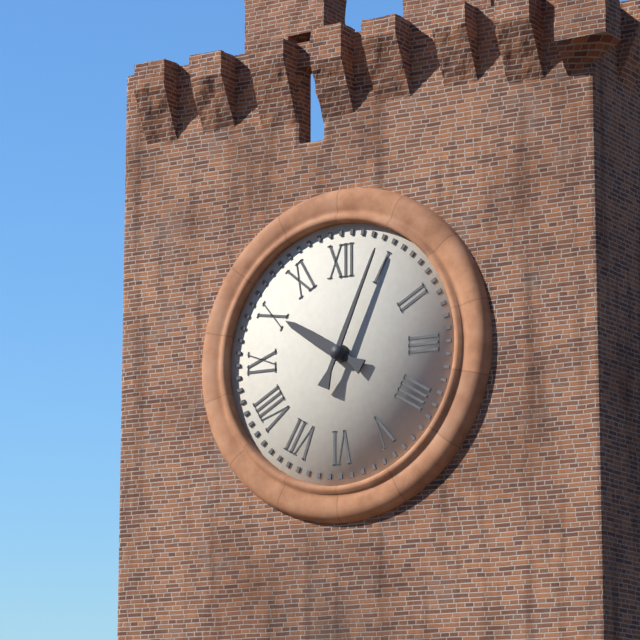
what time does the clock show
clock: 10:04
